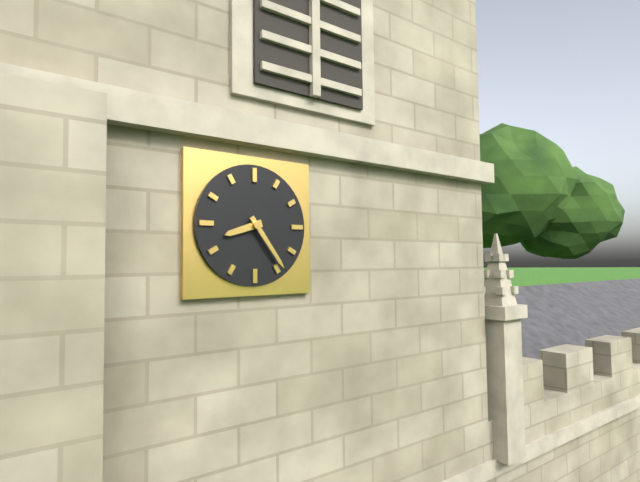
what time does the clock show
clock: 8:24
